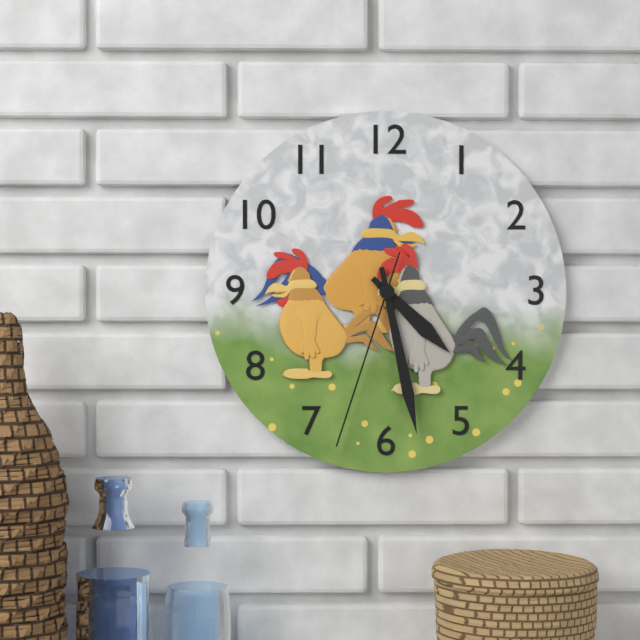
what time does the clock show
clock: 4:28:33
